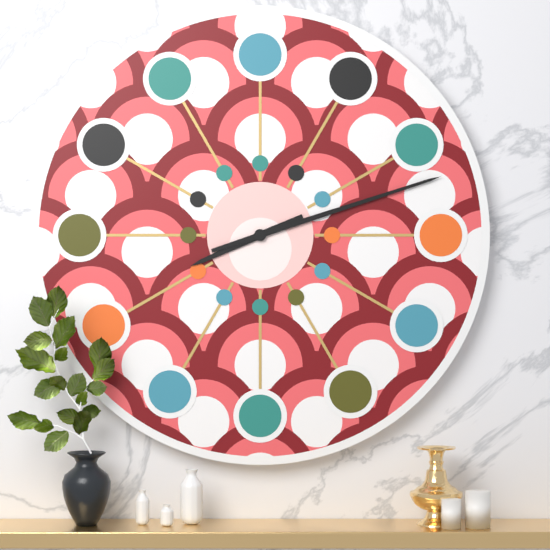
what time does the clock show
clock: 8:12
